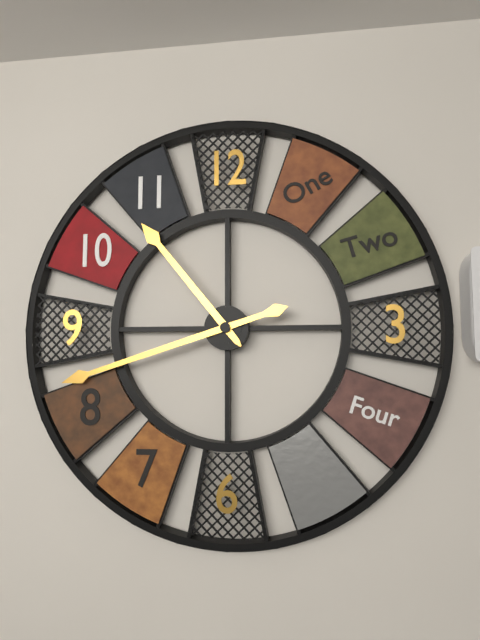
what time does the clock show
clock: 10:42
